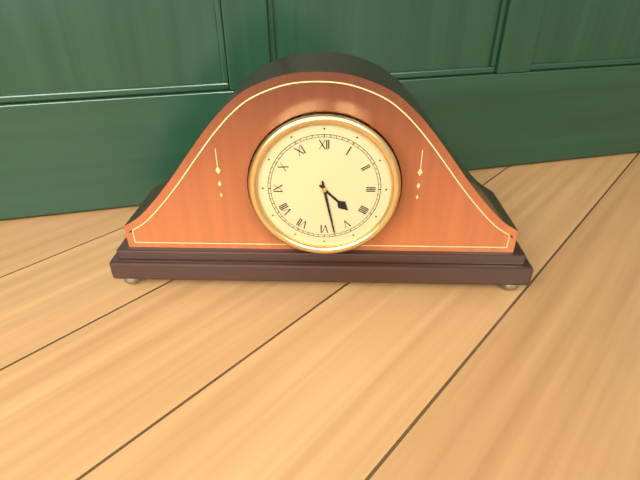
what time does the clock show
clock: 4:28
